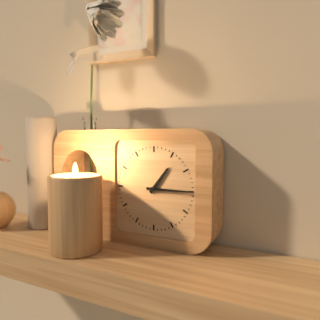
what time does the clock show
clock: 1:15
